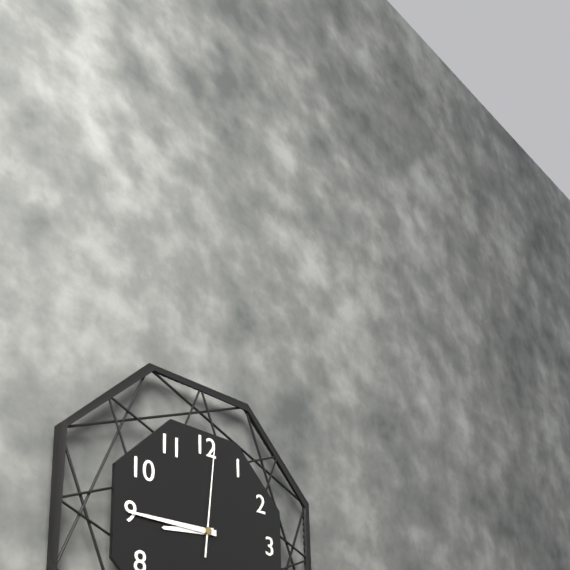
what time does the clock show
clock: 8:45:01
